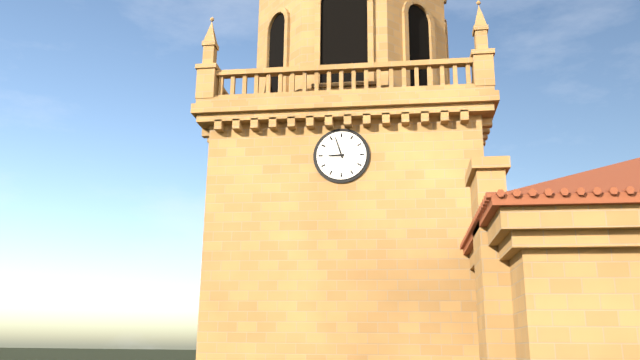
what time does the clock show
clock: 8:57
